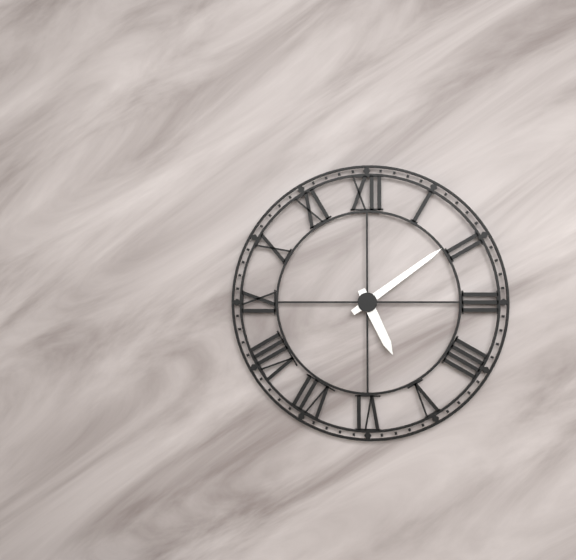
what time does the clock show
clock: 5:09
